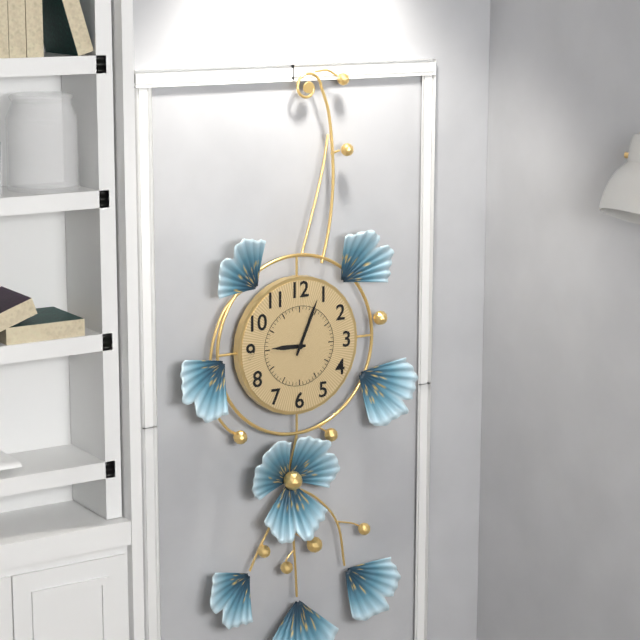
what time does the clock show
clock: 9:04
